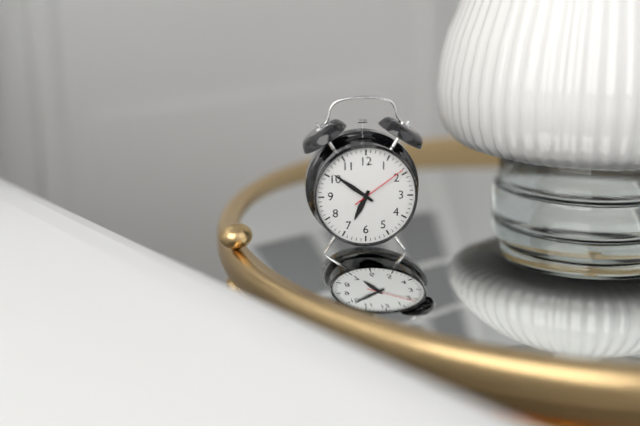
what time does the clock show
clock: 6:51:09
